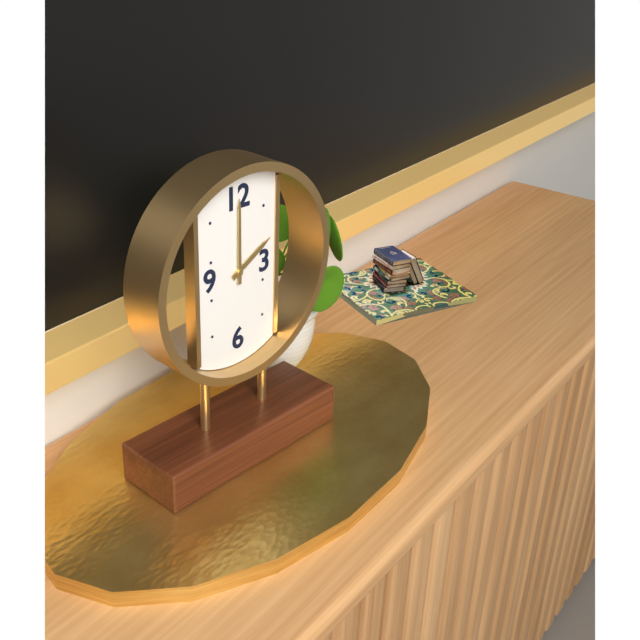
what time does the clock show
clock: 2:00
